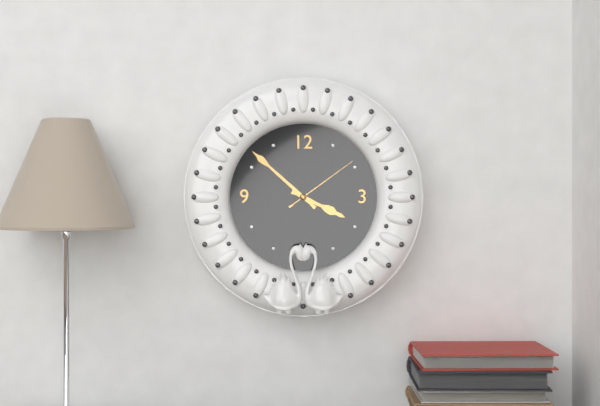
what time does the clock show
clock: 3:52:09
